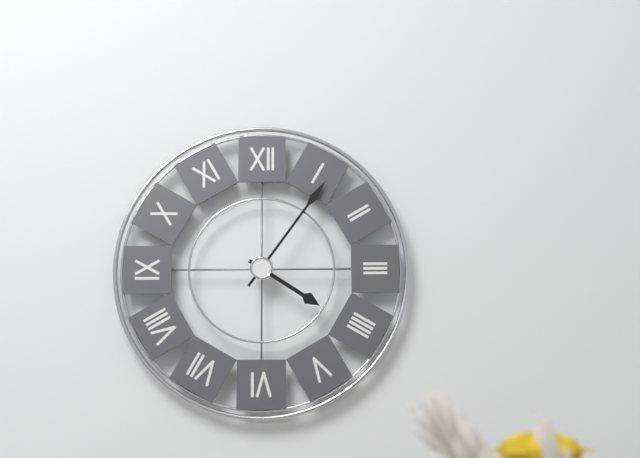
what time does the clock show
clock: 4:06
